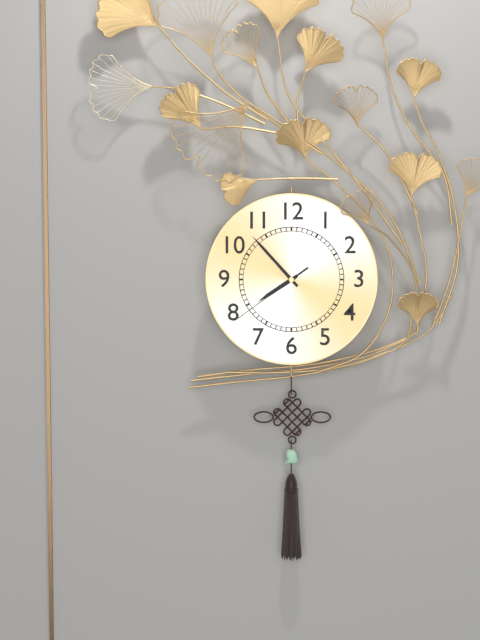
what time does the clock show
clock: 7:53:39
